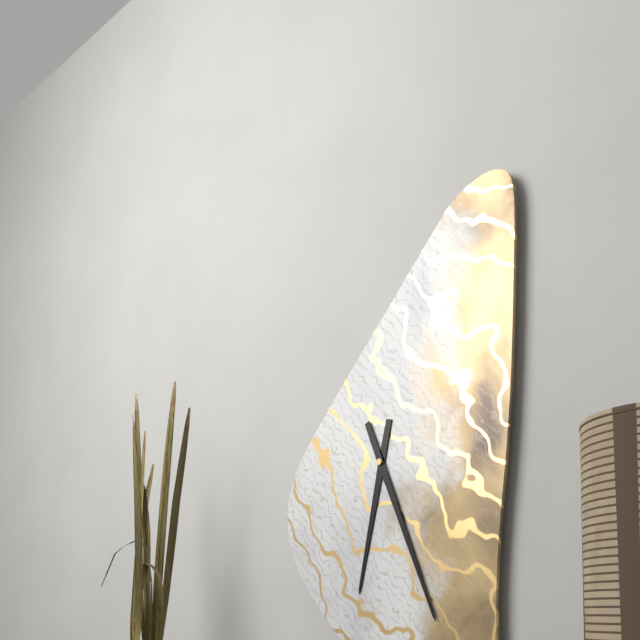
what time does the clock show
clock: 6:26
